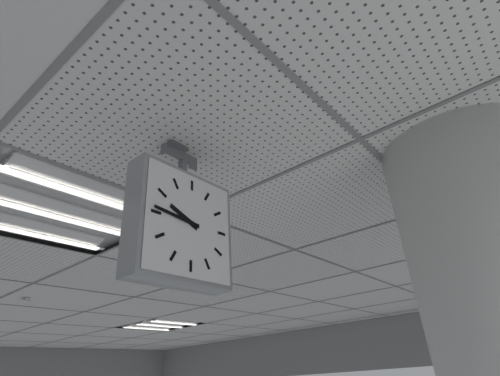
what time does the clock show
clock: 9:46
